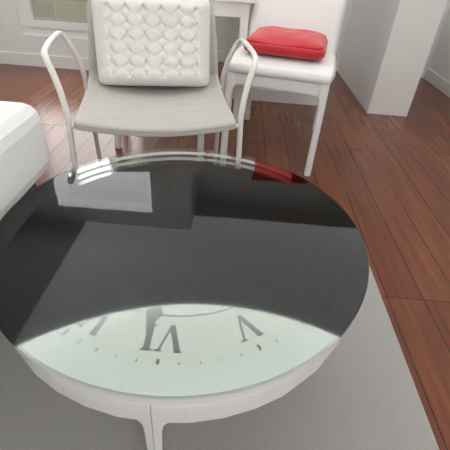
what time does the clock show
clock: 3:31
